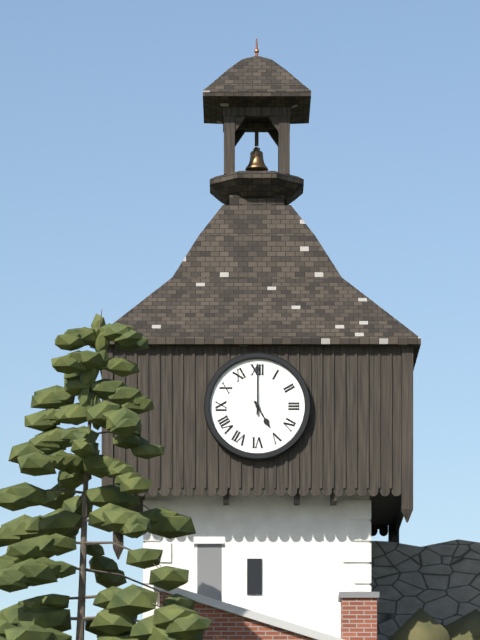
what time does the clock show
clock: 5:00
